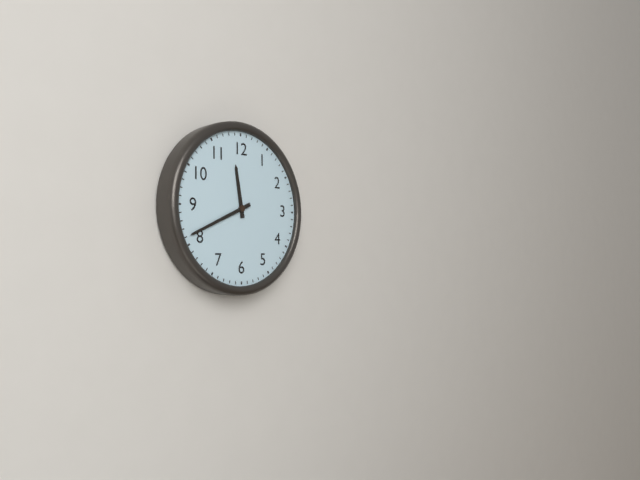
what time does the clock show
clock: 11:41
